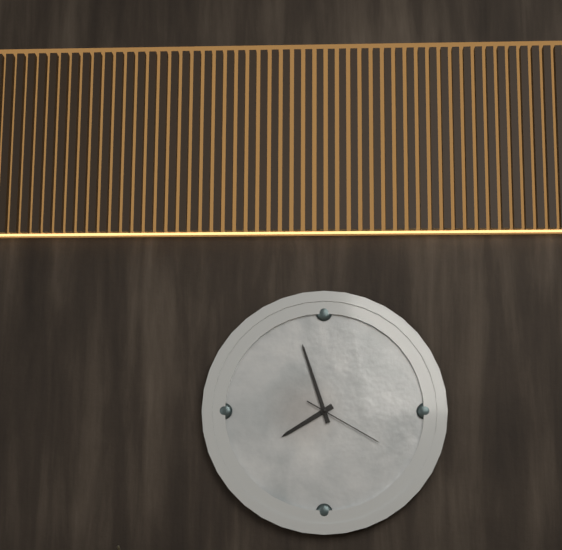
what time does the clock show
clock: 7:57:20
